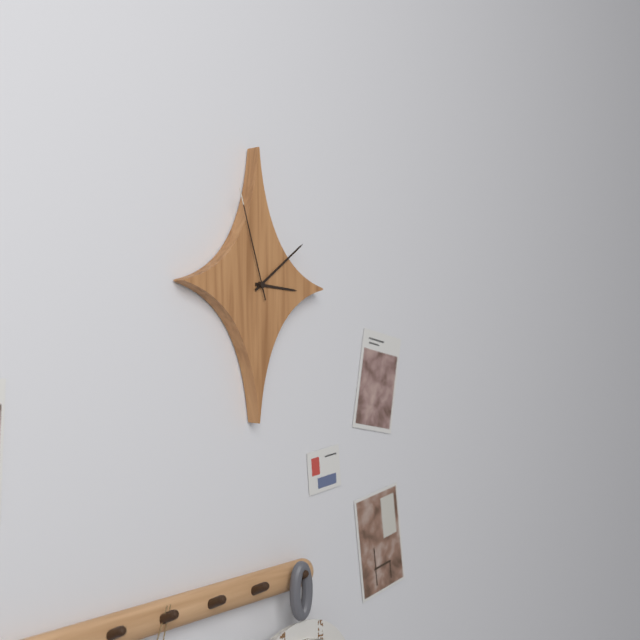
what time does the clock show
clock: 3:09:57
